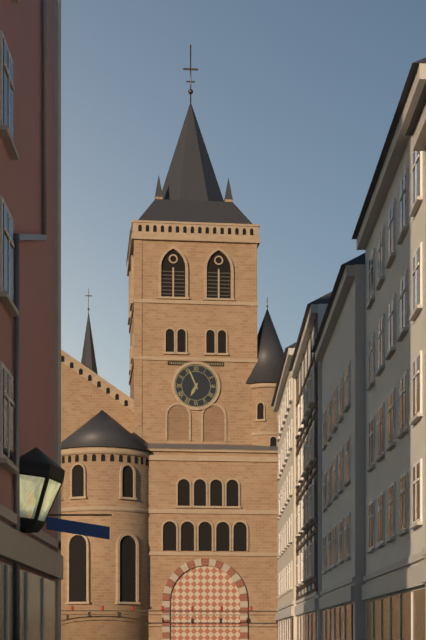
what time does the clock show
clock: 6:56
